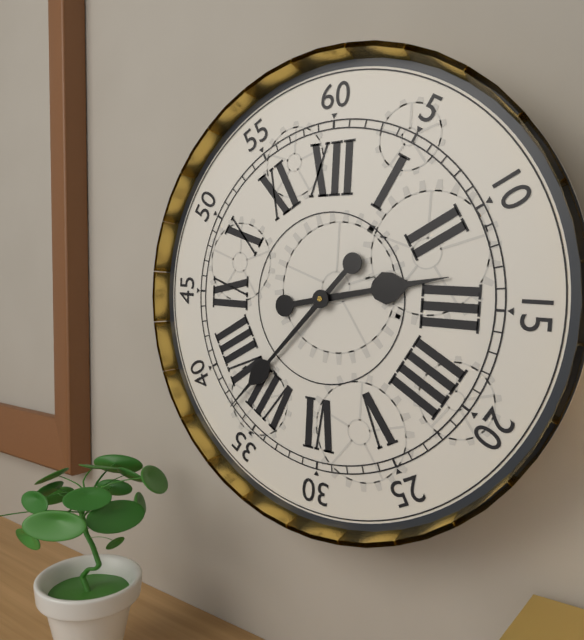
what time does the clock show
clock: 2:37
